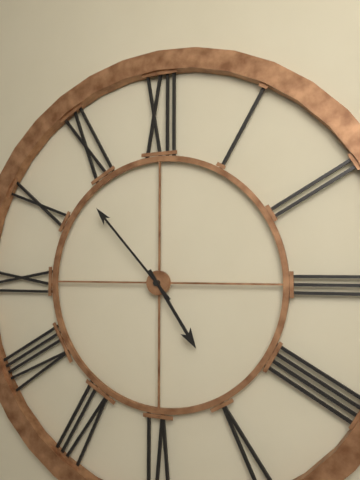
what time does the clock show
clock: 4:53
